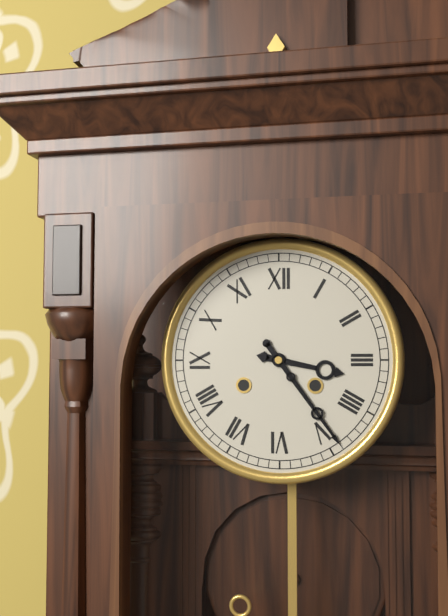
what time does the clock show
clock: 3:24
